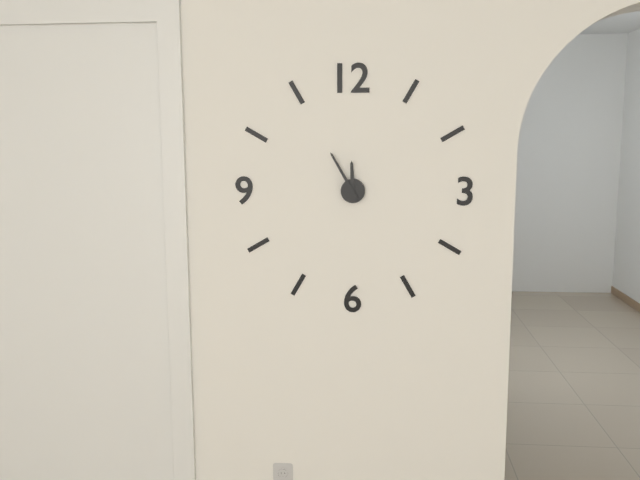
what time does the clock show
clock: 11:55
